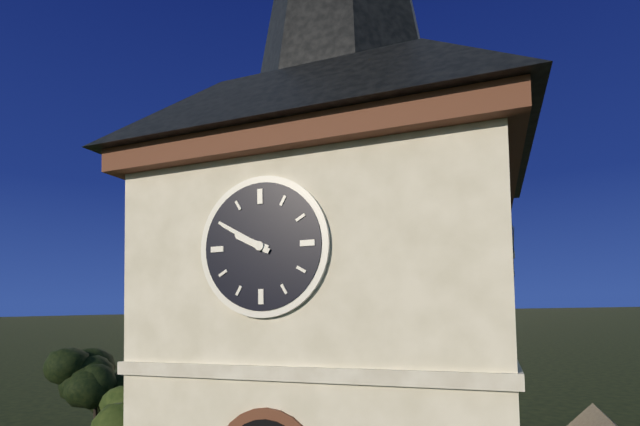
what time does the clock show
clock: 9:50
